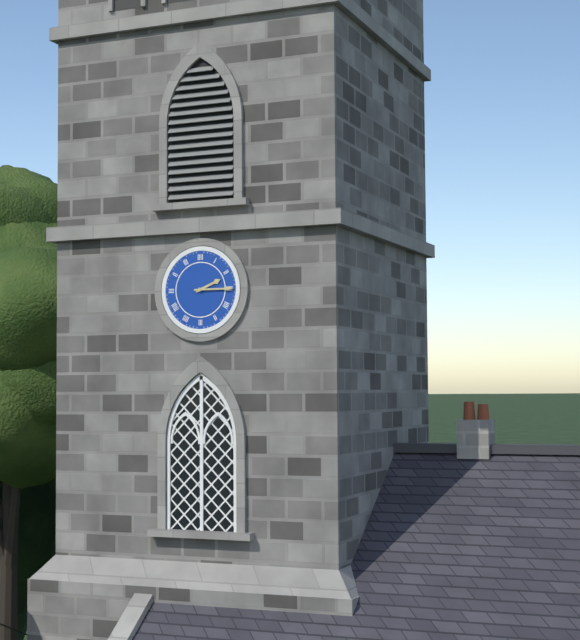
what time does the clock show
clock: 2:15
